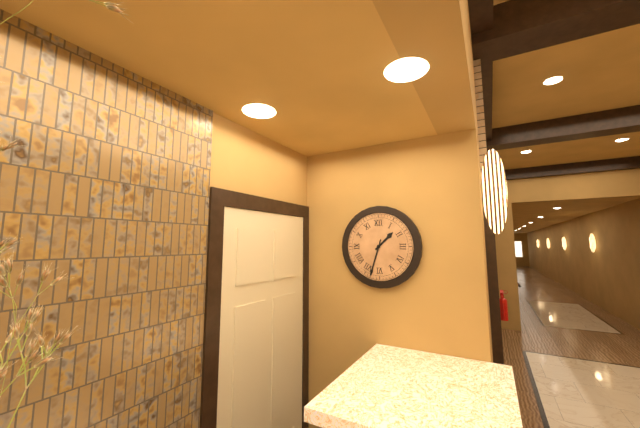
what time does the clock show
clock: 1:33
